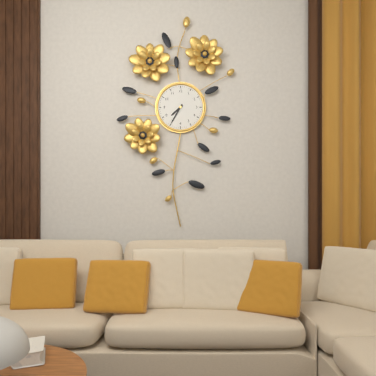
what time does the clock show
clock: 7:35
